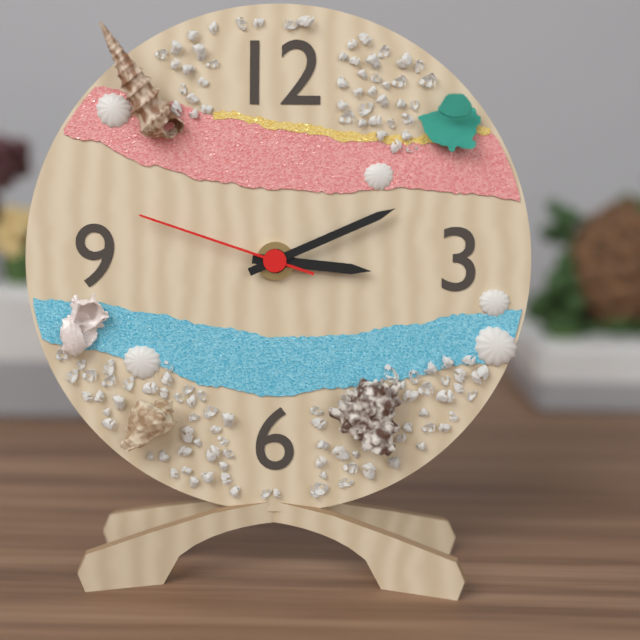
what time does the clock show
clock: 3:11:48
